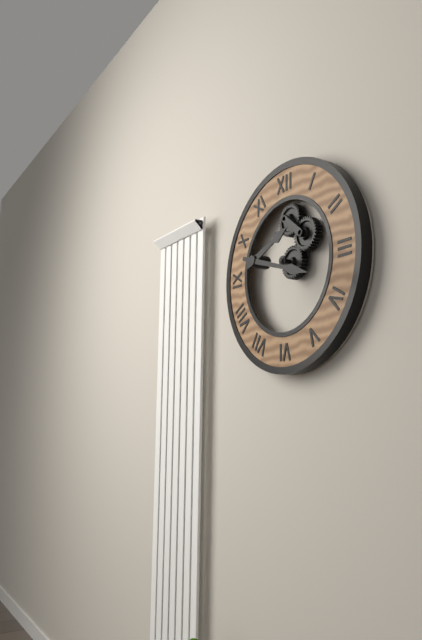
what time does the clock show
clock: 2:18
